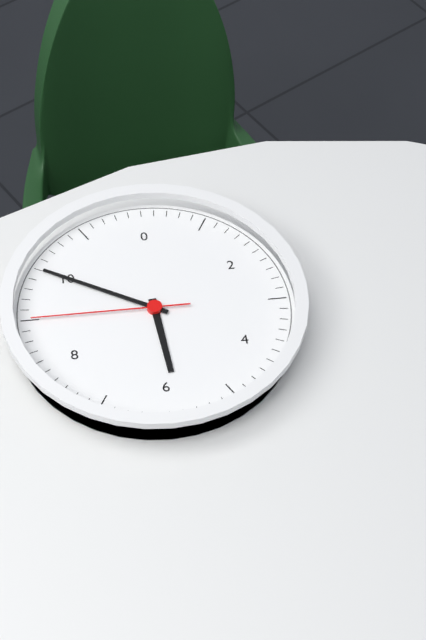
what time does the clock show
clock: 5:50:45
